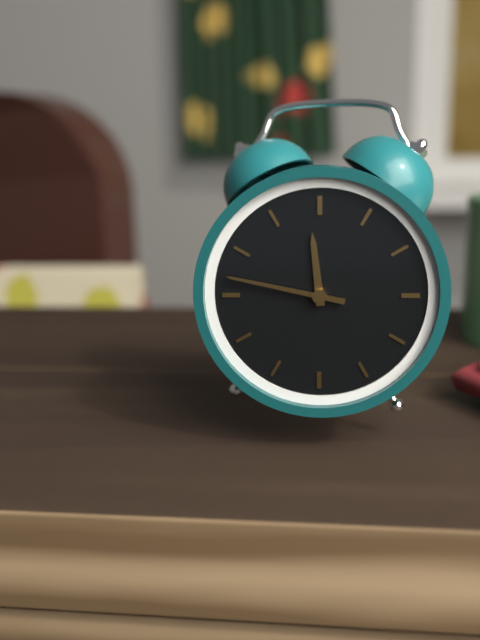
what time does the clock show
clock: 11:47
